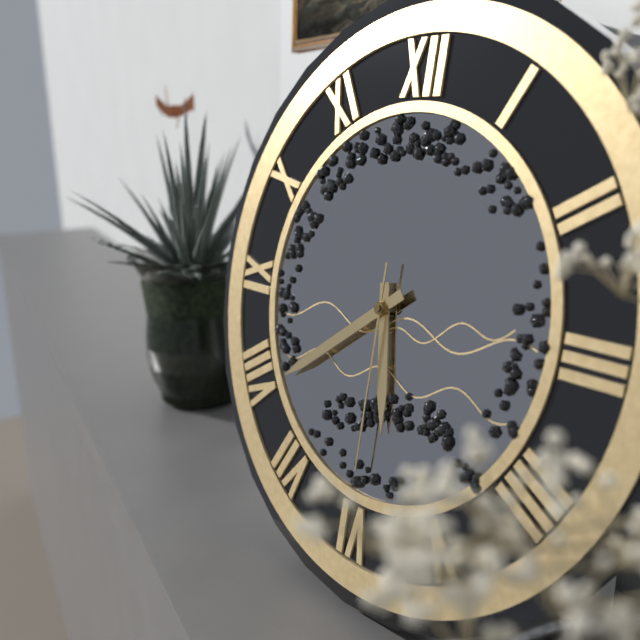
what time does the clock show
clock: 5:39:30
